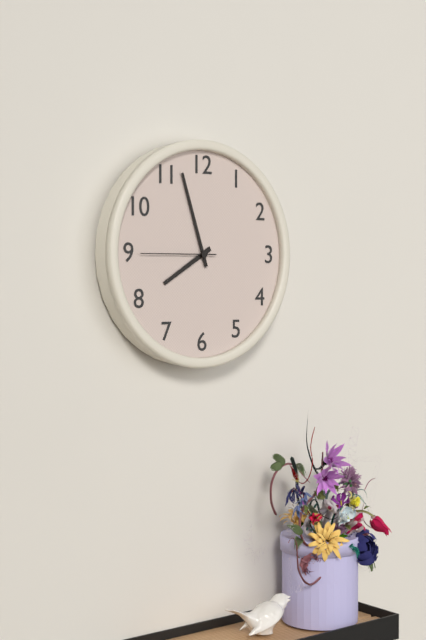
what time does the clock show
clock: 7:57:45
